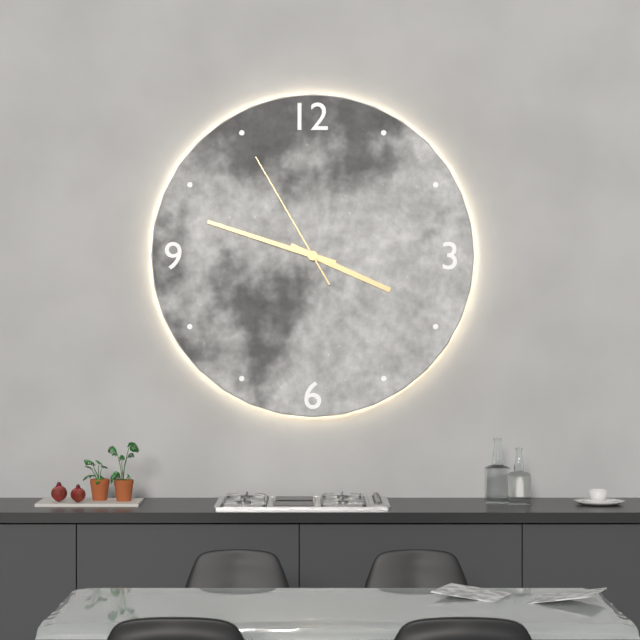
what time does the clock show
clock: 3:48:55
